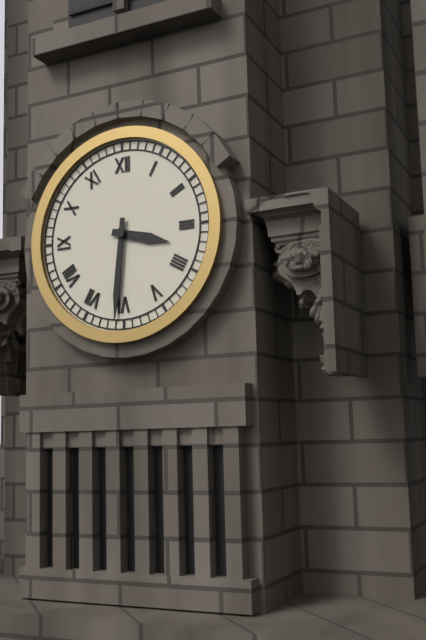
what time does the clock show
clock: 3:31
